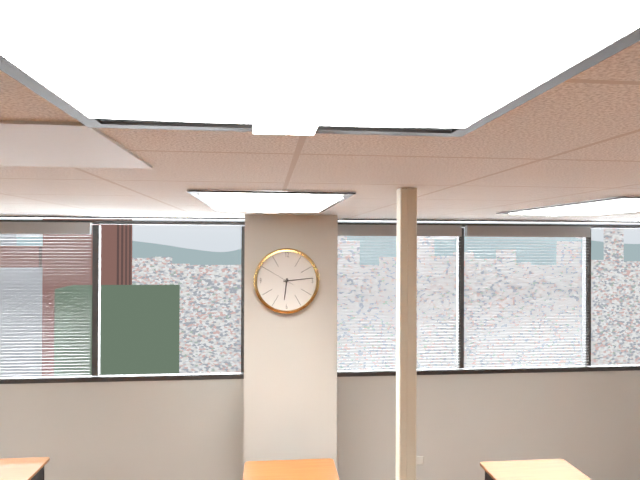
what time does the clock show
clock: 6:14
